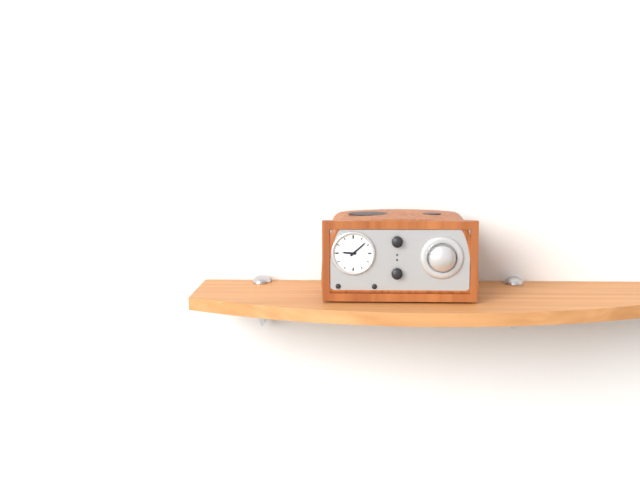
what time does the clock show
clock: 9:08
